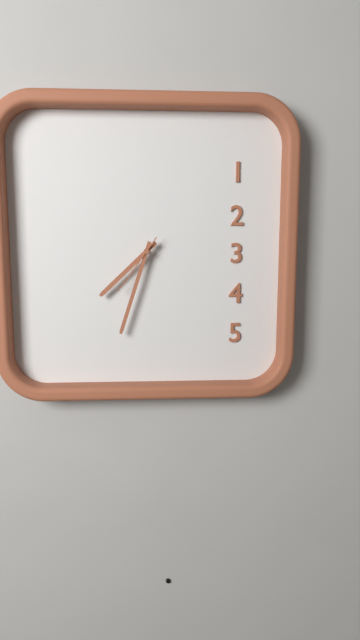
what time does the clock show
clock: 7:33:36
